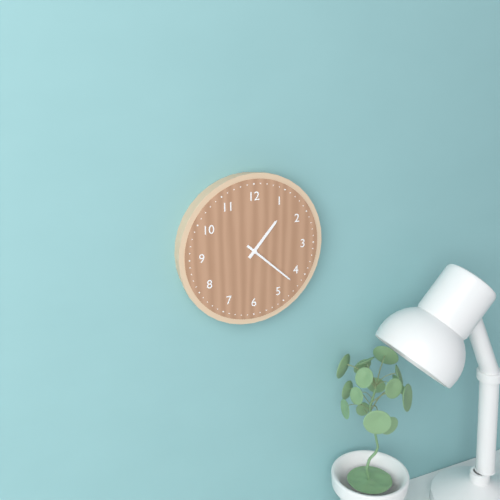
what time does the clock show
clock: 1:22
